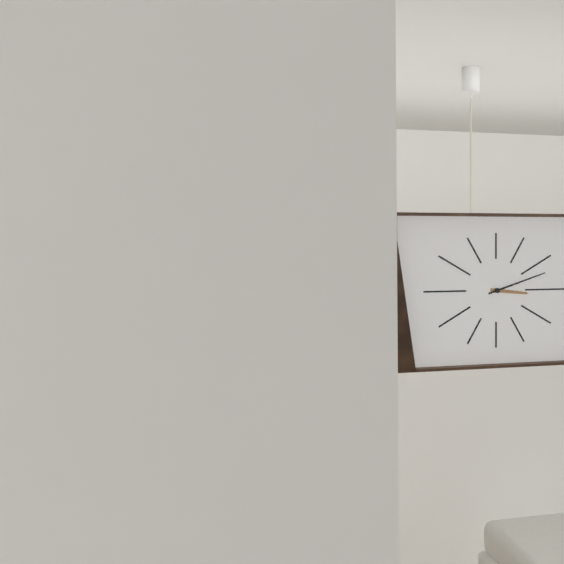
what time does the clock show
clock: 3:12
